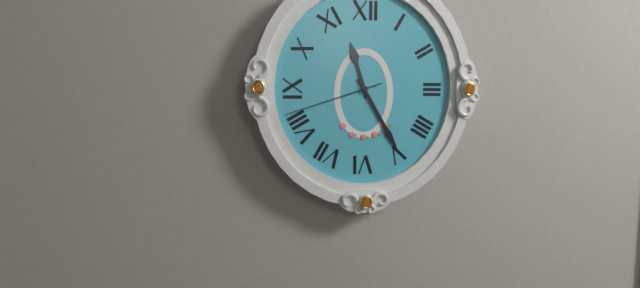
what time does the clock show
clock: 11:25:42
